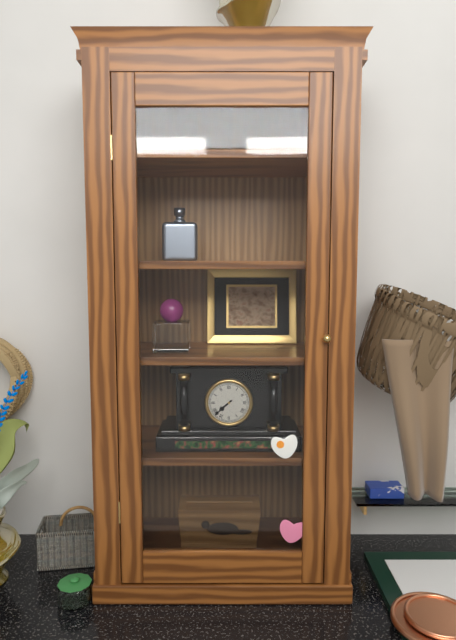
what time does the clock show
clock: 7:38
